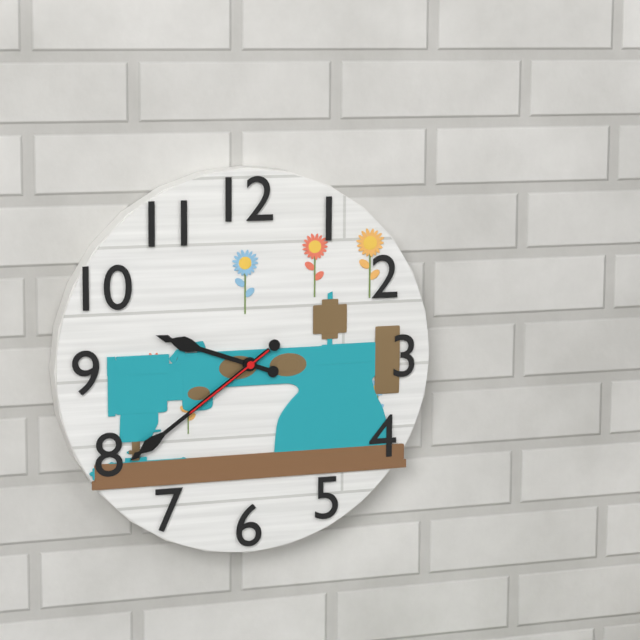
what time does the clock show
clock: 9:39:39
